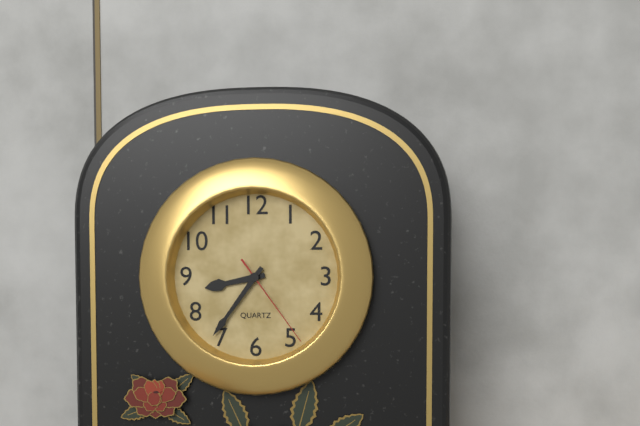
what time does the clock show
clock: 8:36:24
